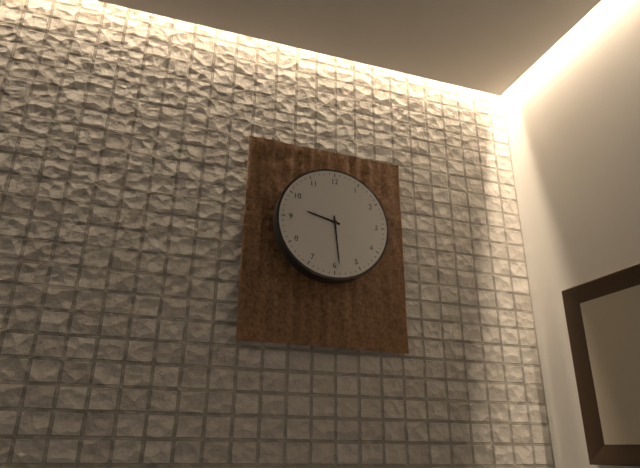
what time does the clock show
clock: 9:29
